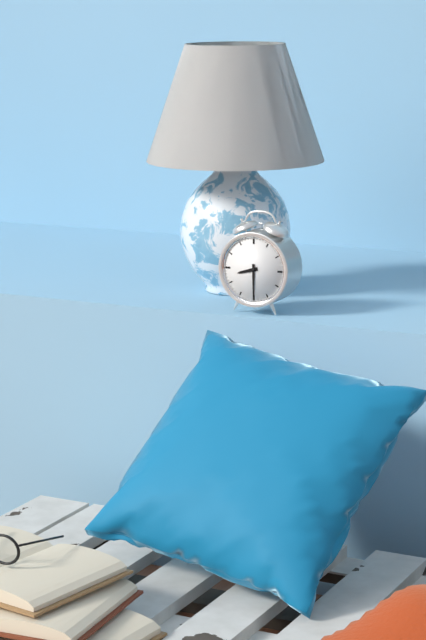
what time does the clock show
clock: 8:30
